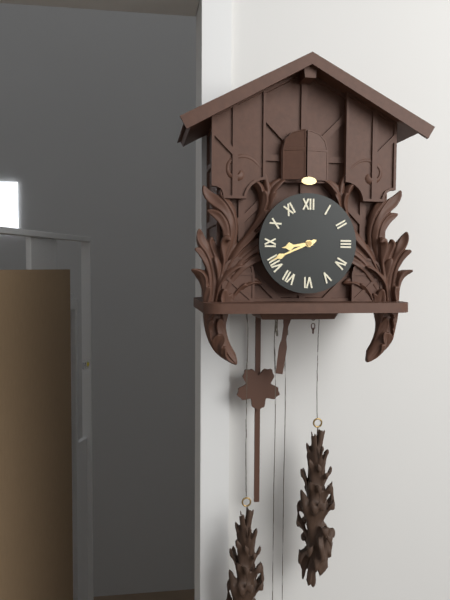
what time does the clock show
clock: 8:41
